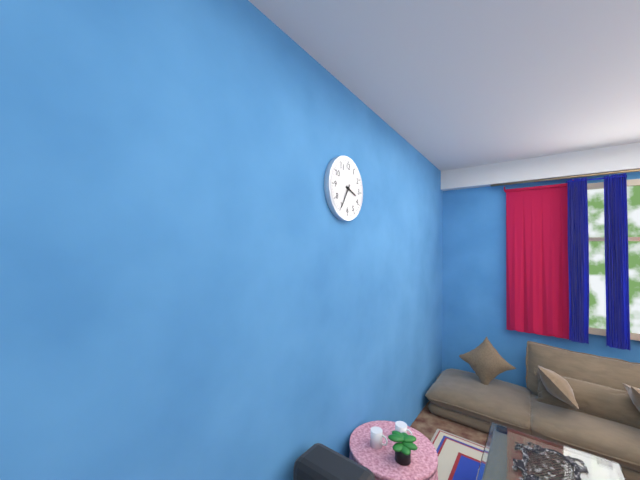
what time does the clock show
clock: 3:35
